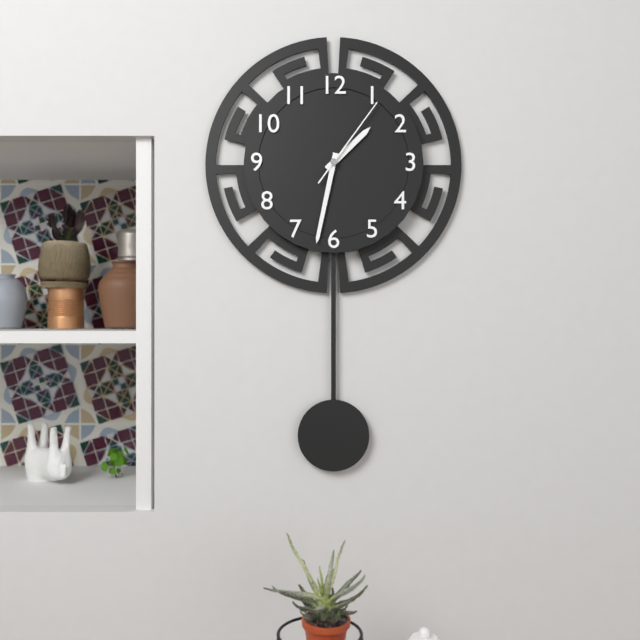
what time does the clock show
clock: 1:32:06
